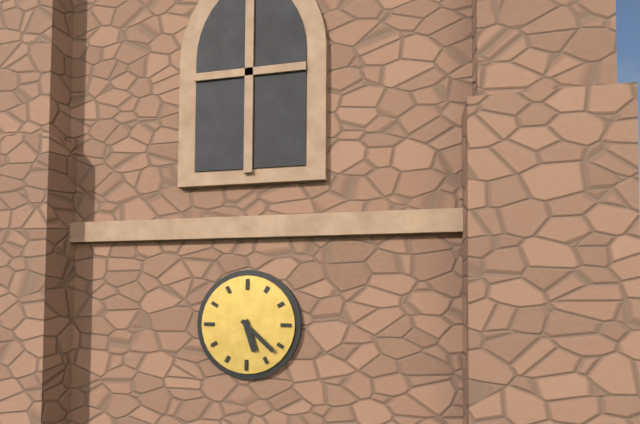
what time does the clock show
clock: 5:22
